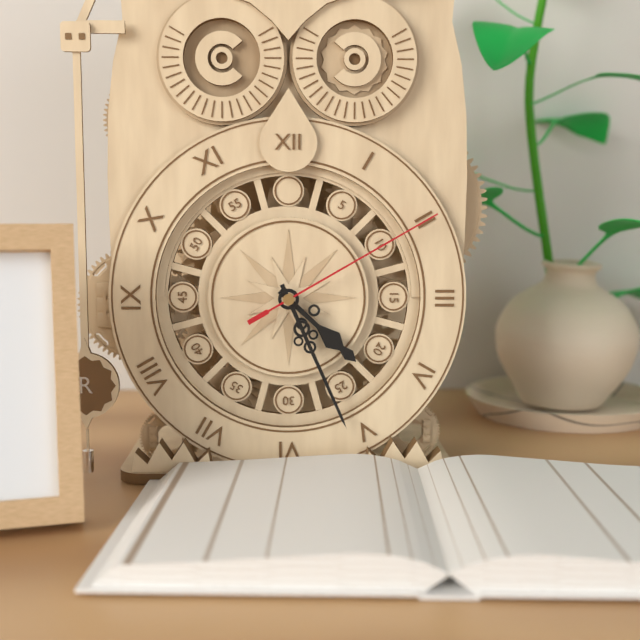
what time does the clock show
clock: 4:26:10
